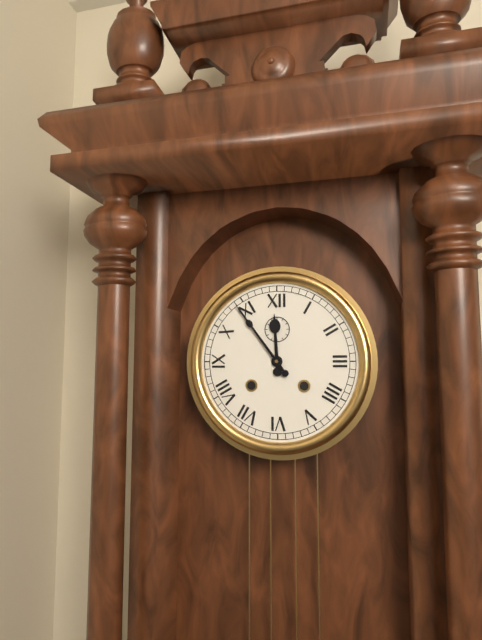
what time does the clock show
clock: 11:54
